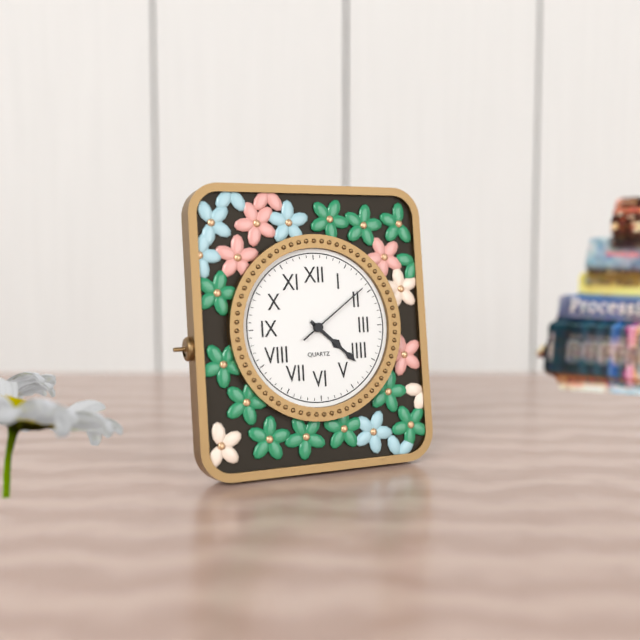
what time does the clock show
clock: 4:22:09
